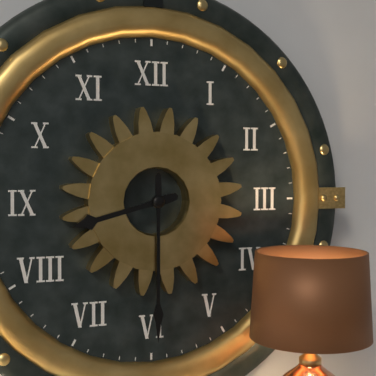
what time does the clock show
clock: 8:30
